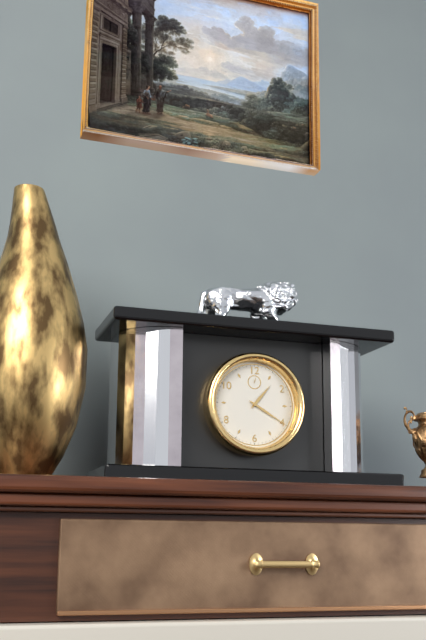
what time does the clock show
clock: 1:20
